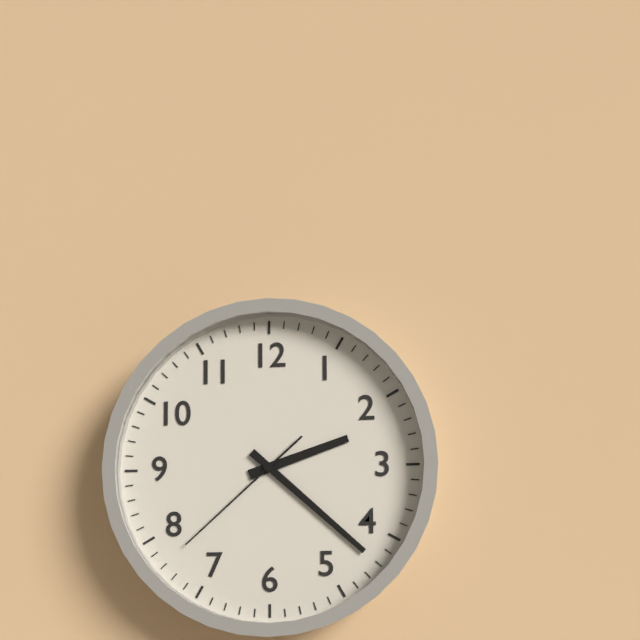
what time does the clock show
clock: 2:22:38
